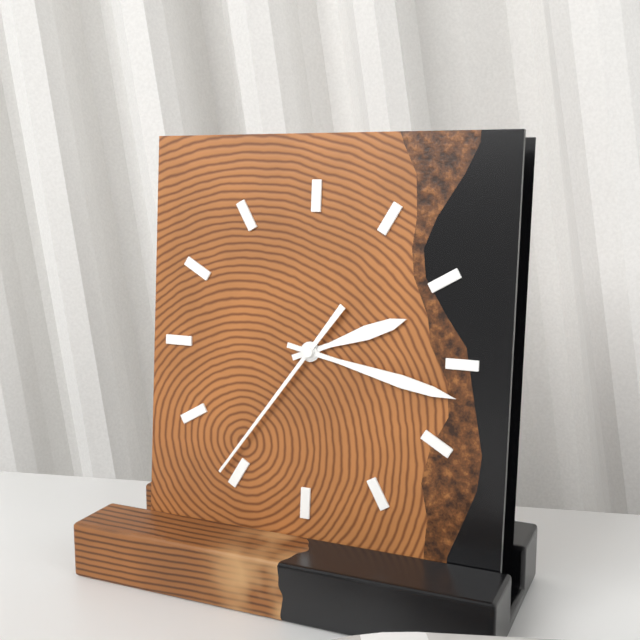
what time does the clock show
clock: 2:17:36
